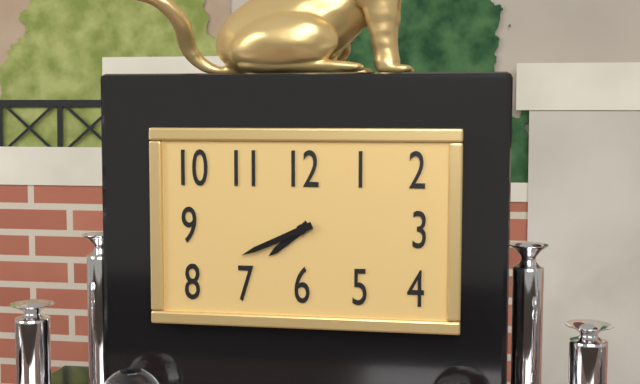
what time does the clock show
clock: 7:41
